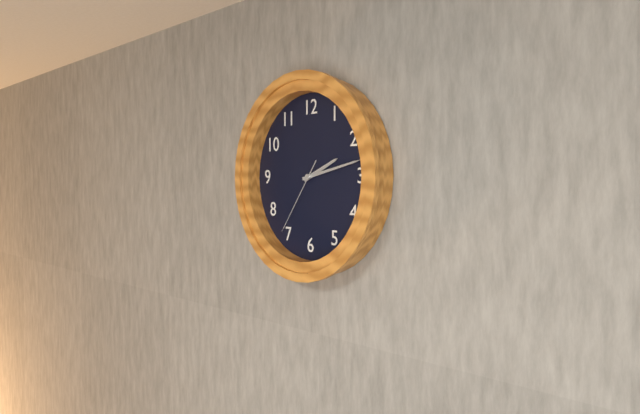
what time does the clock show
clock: 2:13:36
